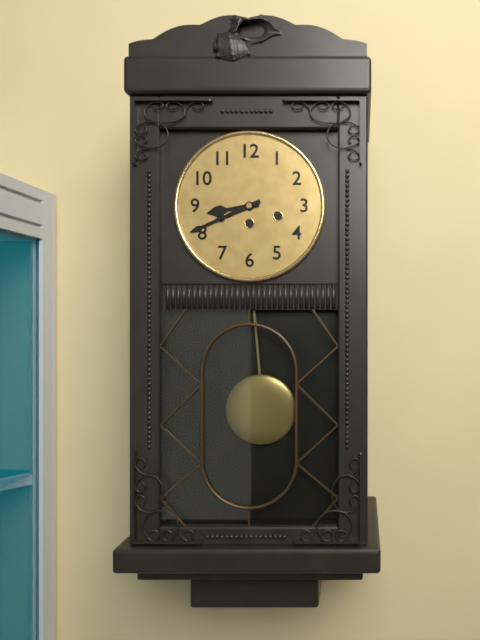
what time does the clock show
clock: 8:41
